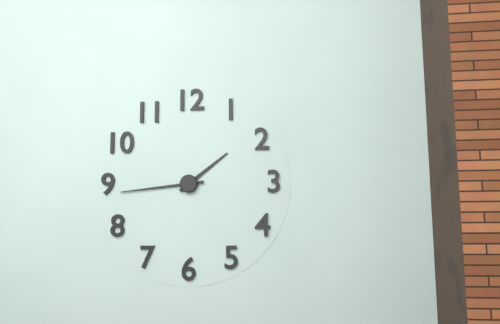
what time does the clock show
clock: 1:44
